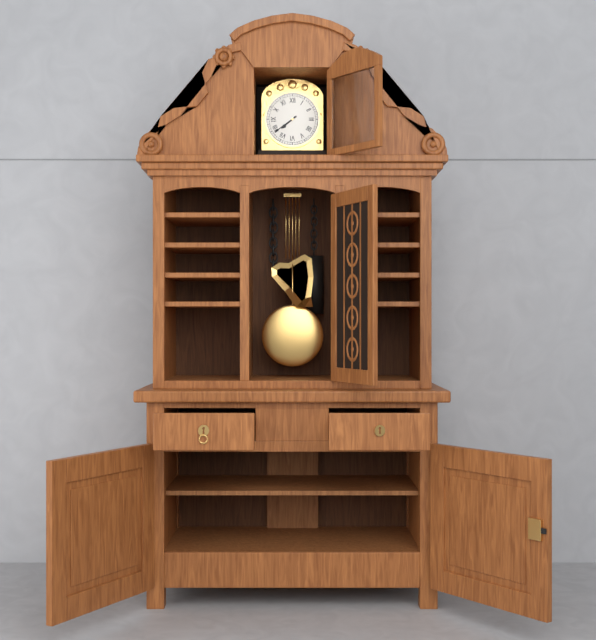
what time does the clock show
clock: 7:39
